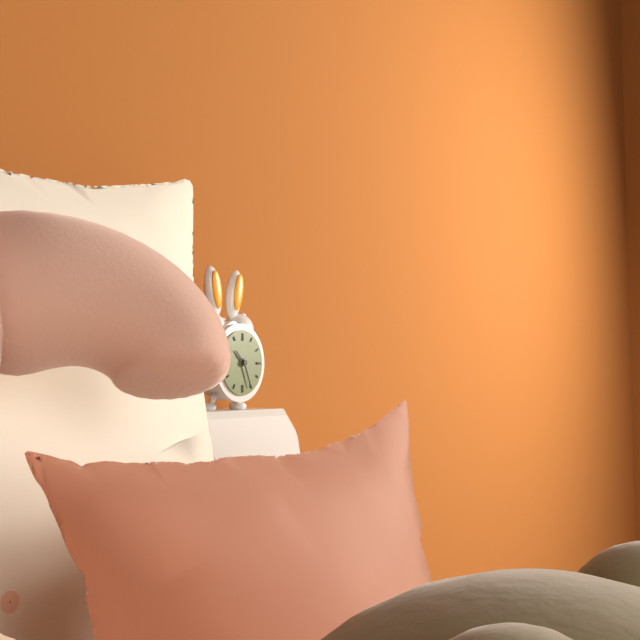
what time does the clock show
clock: 10:26
